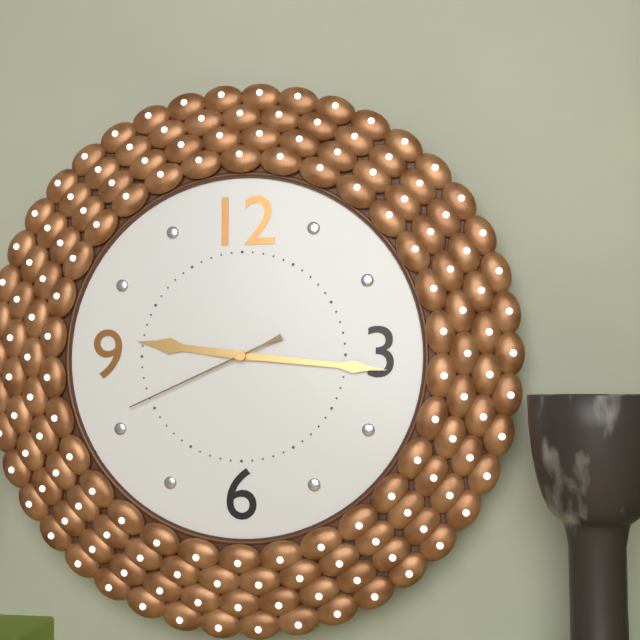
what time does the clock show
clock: 9:16:41
